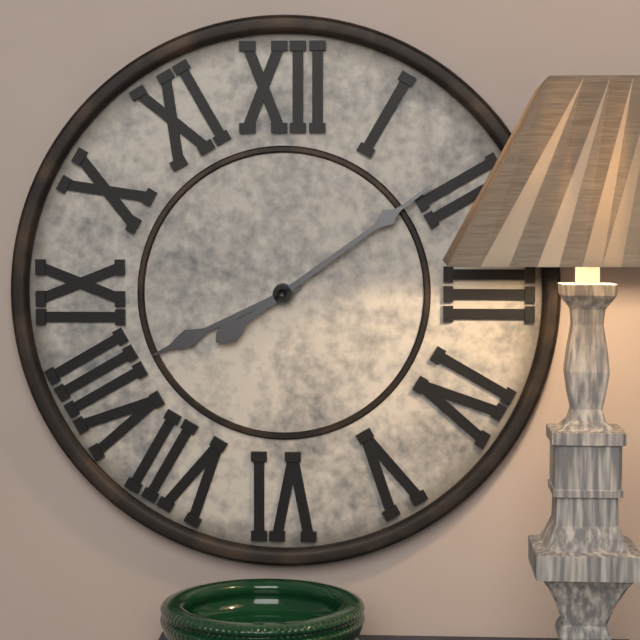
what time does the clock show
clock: 8:09
